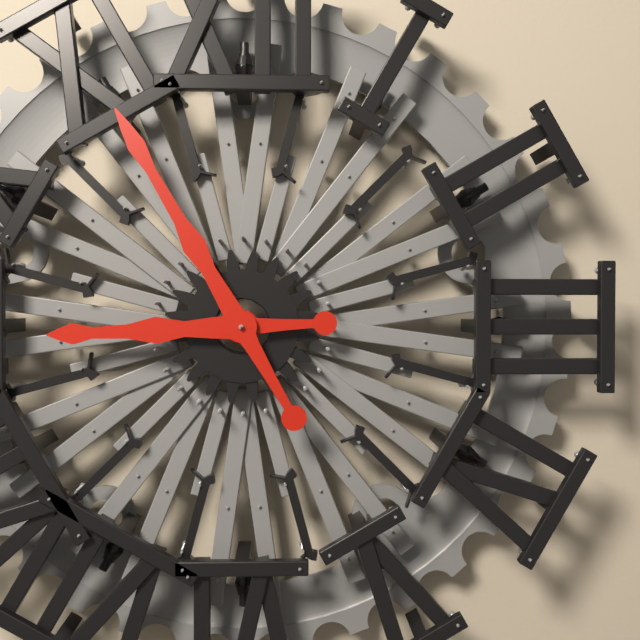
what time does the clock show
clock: 8:55
